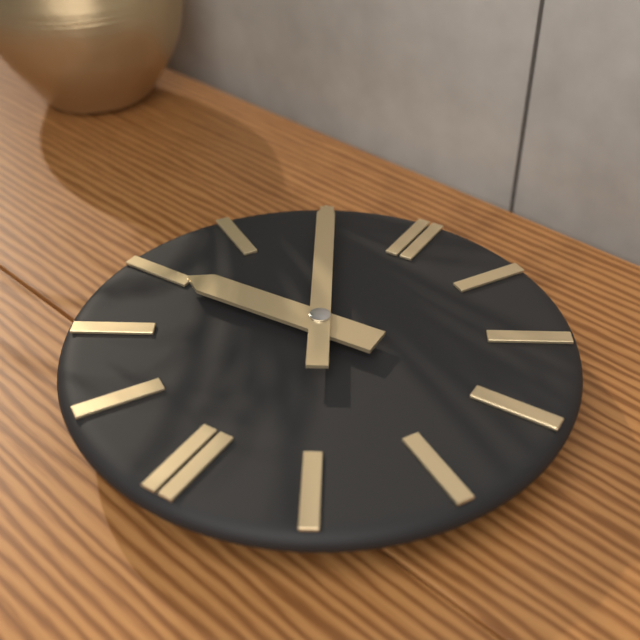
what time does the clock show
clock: 8:55
